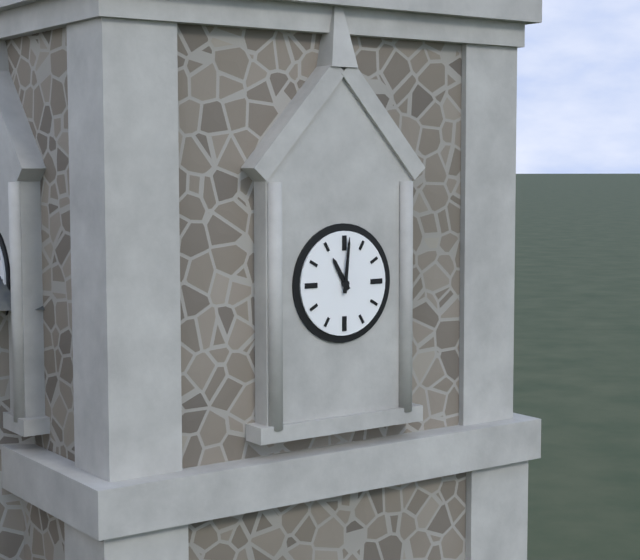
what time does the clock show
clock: 11:01
